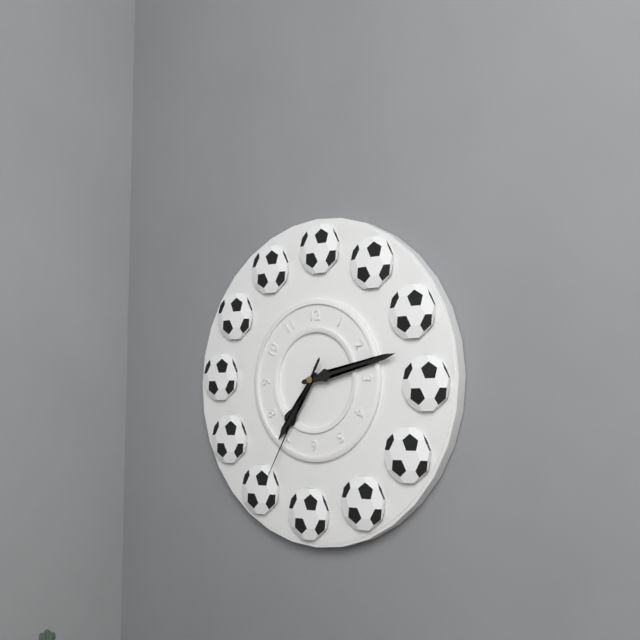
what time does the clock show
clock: 7:13:35
